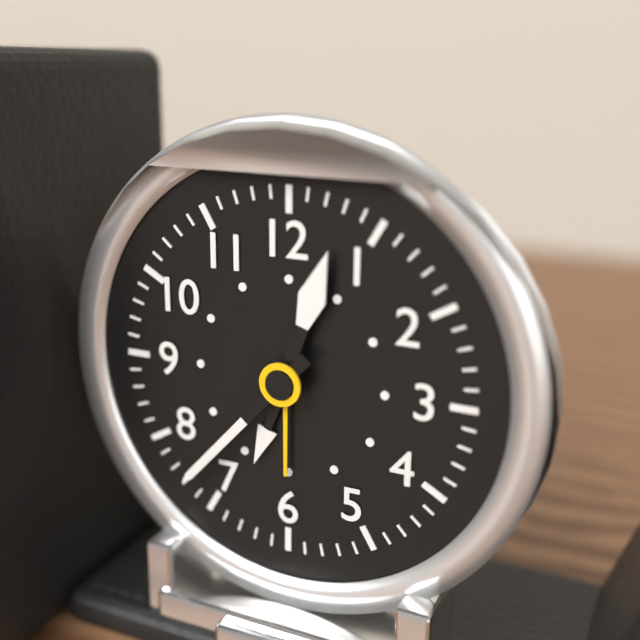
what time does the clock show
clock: 12:37
